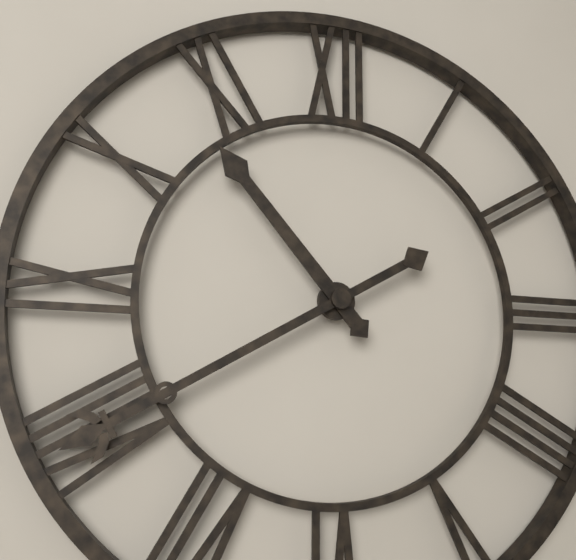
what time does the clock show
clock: 10:40
